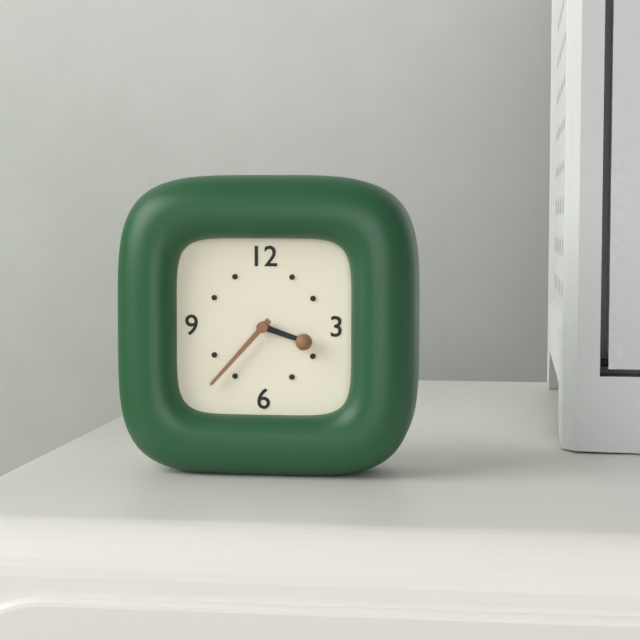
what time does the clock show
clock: 3:37
